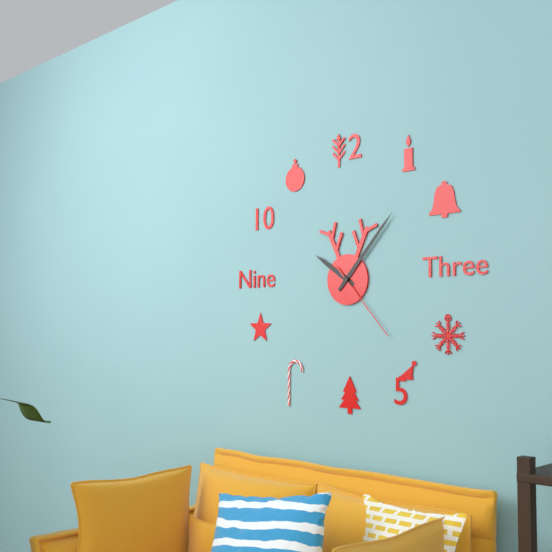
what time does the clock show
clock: 10:07:23
